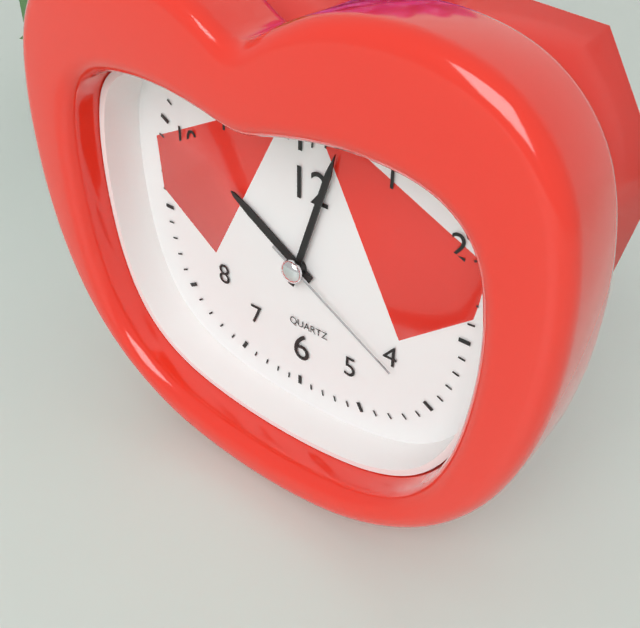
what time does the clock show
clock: 10:03:20
